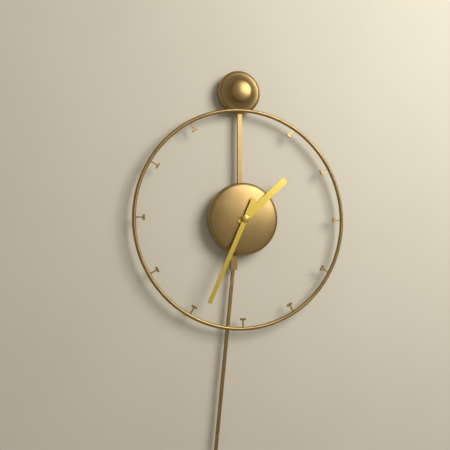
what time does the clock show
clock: 1:34
